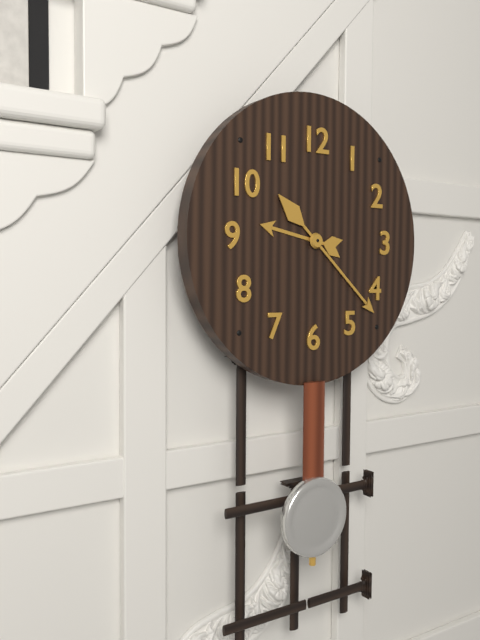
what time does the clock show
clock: 9:22
